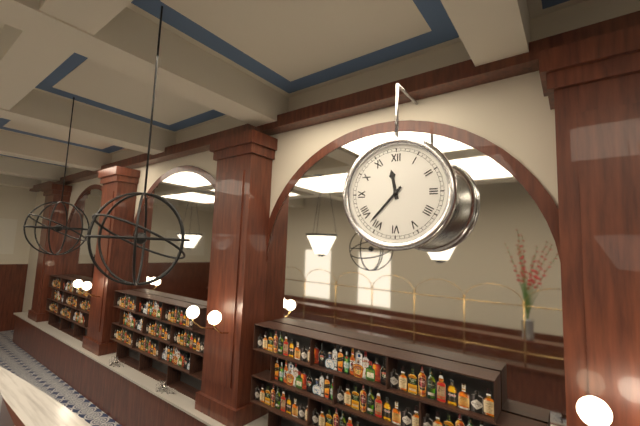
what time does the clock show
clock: 11:37
